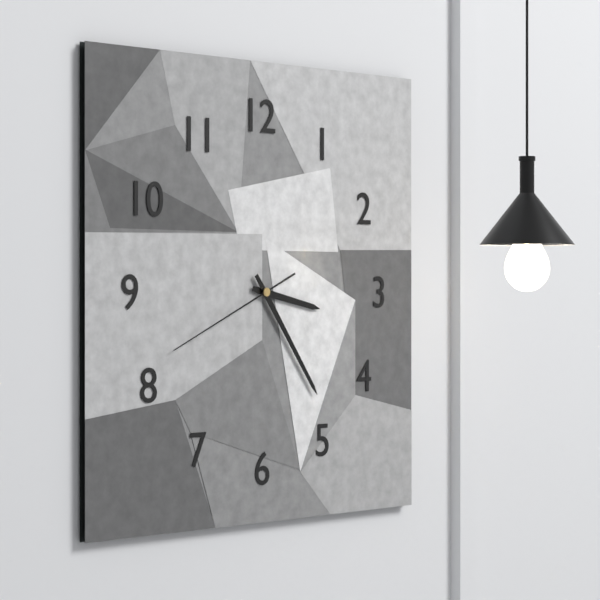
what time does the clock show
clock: 3:24:41
